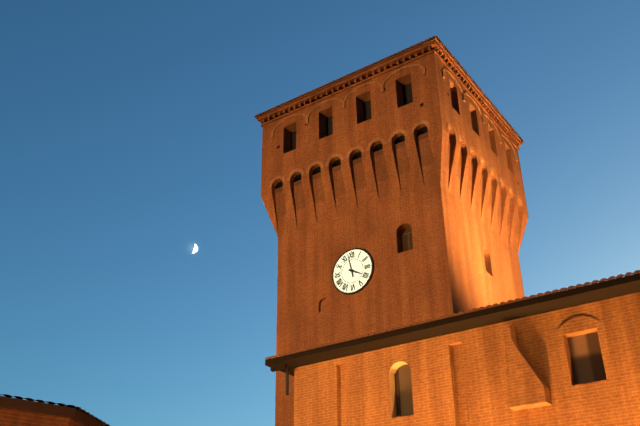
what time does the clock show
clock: 3:58
